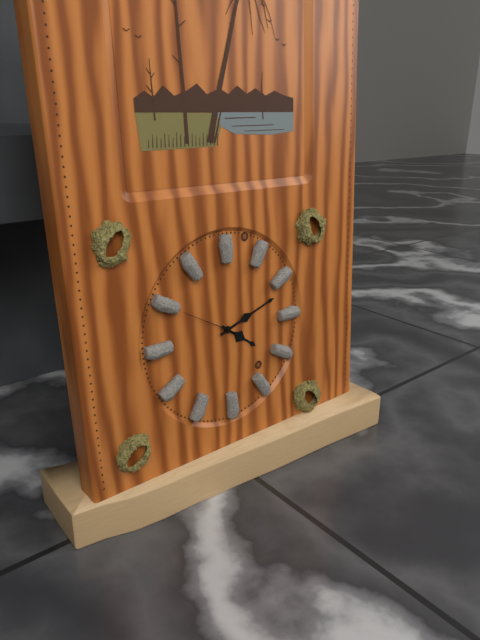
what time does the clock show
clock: 4:12:50
